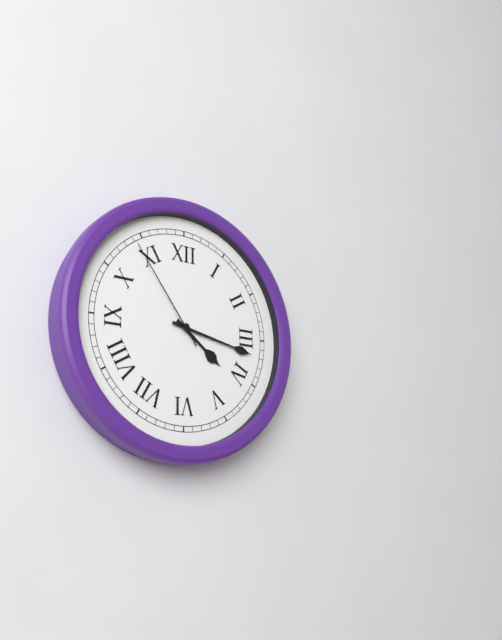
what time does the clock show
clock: 4:17:54
